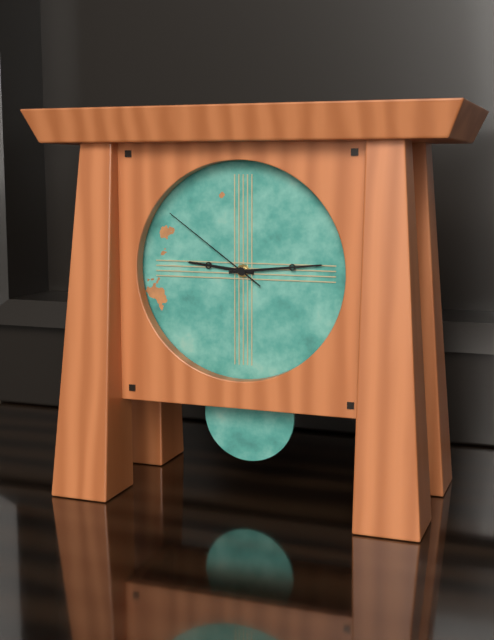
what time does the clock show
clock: 9:14:51
